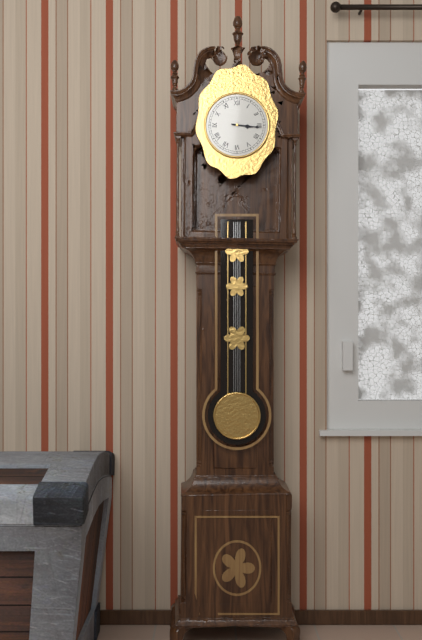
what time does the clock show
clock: 3:16
